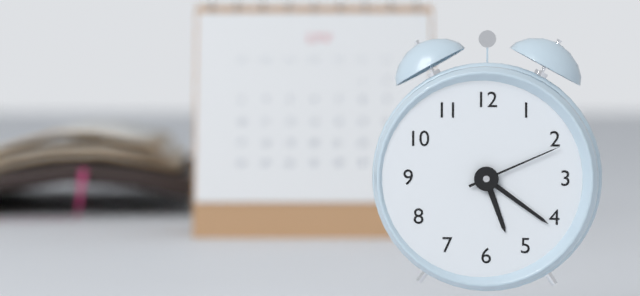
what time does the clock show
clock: 5:21:11
